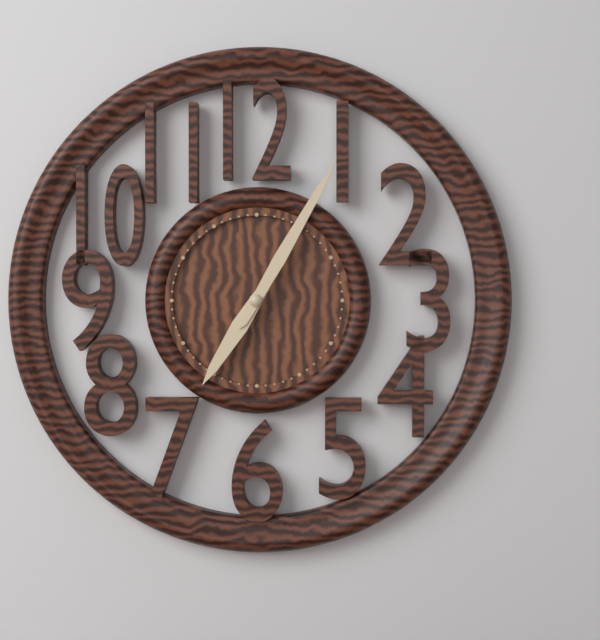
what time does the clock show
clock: 7:05
